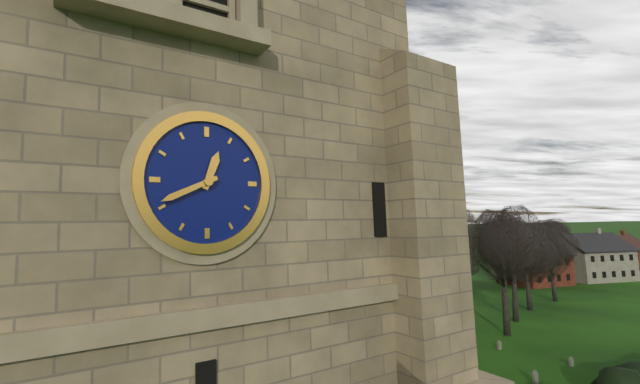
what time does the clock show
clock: 12:41
